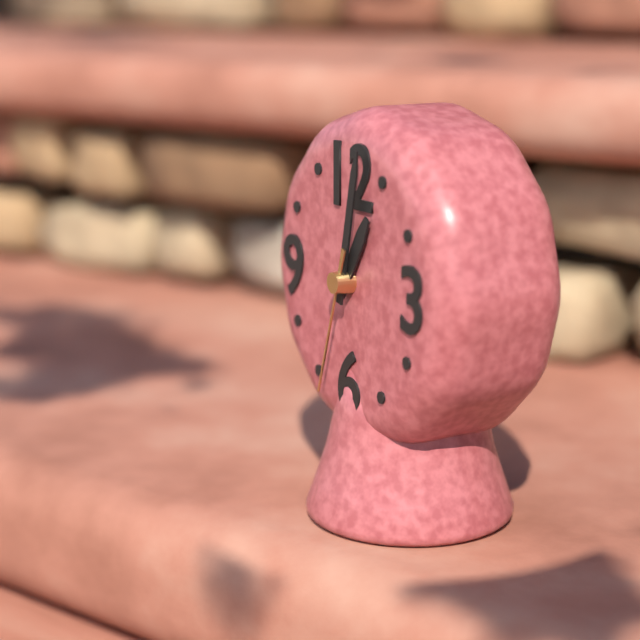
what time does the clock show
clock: 1:02:33
